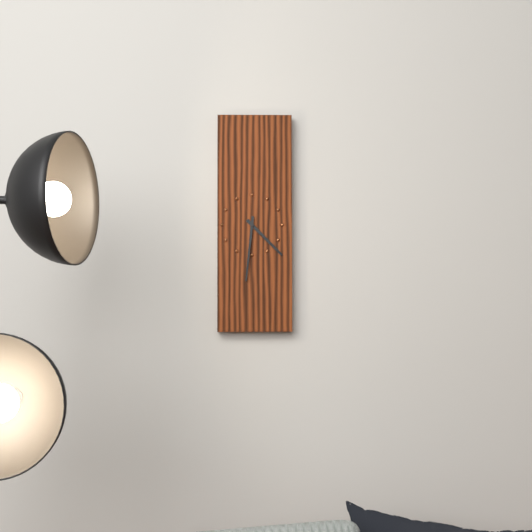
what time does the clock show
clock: 4:31
